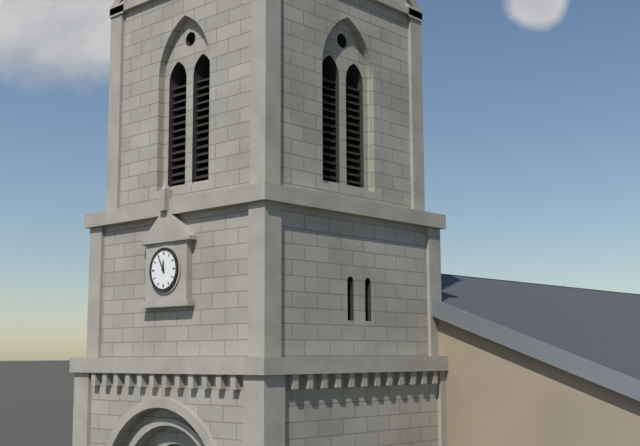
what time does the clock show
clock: 11:55
